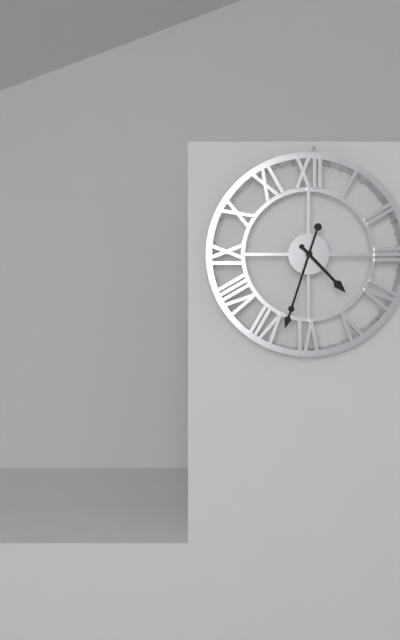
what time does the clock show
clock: 4:33
